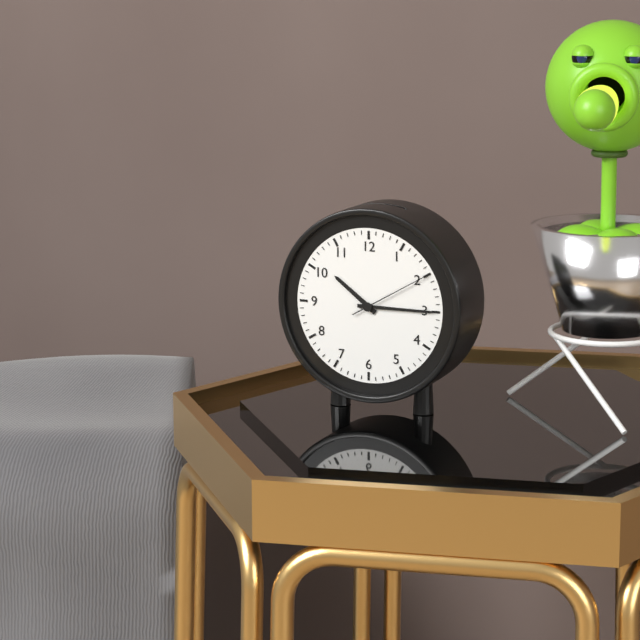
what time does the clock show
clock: 10:15:10
